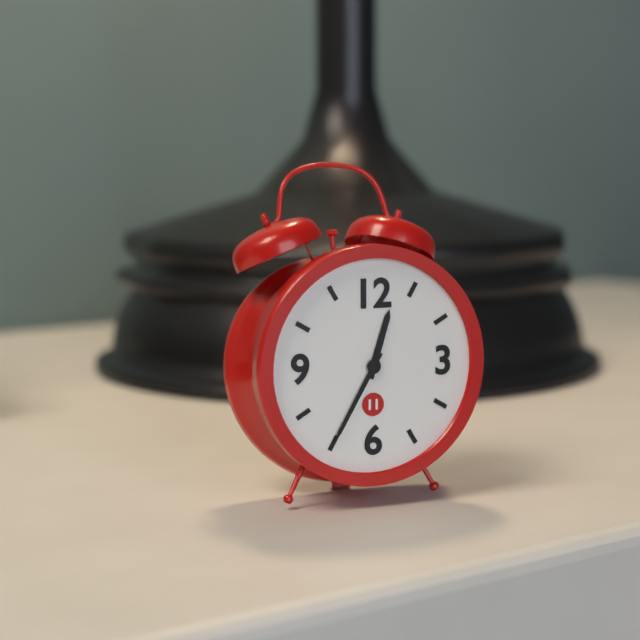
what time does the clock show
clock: 12:35
